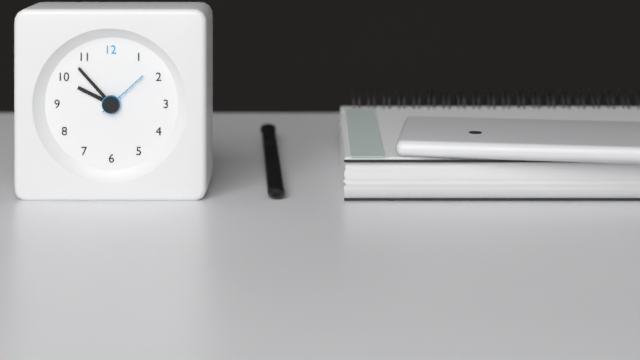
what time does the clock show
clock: 9:53:08
